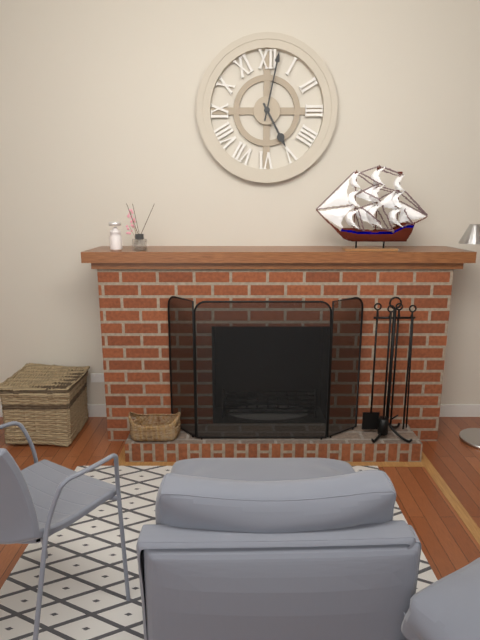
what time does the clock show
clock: 5:02
